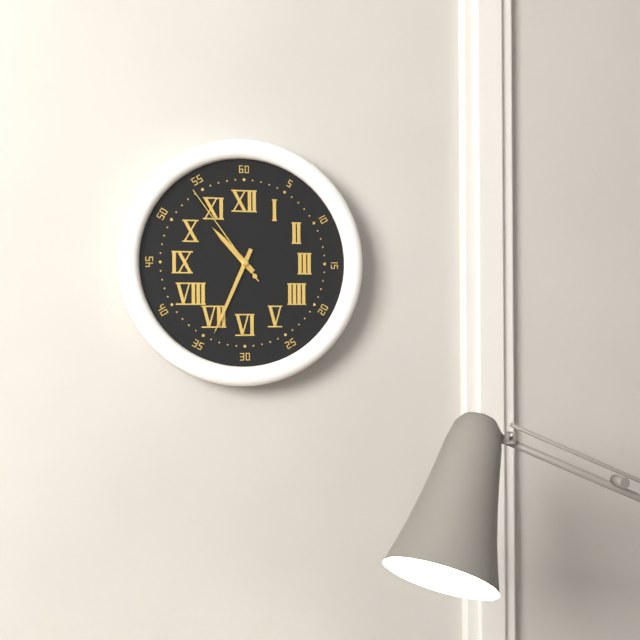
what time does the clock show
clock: 10:34:54
